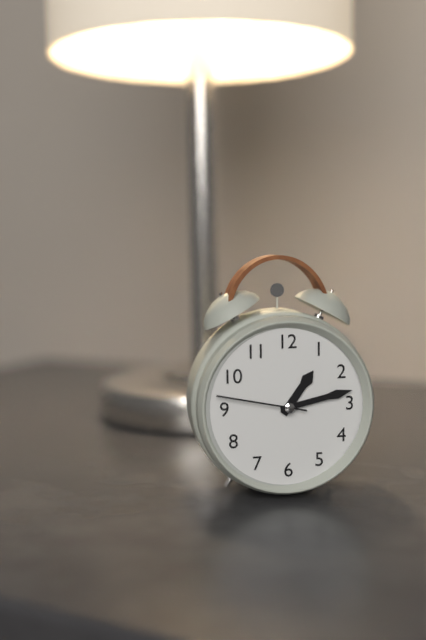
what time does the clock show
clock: 1:13:47
